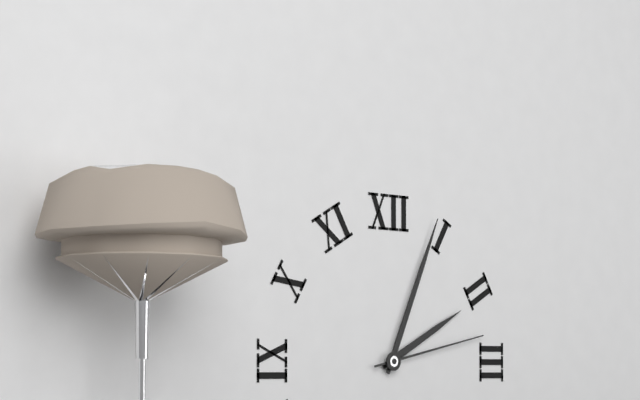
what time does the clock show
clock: 2:04:13
